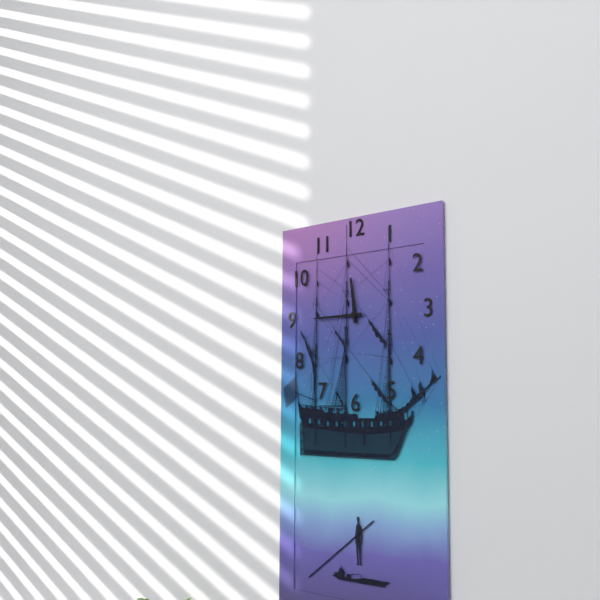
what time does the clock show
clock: 11:45
